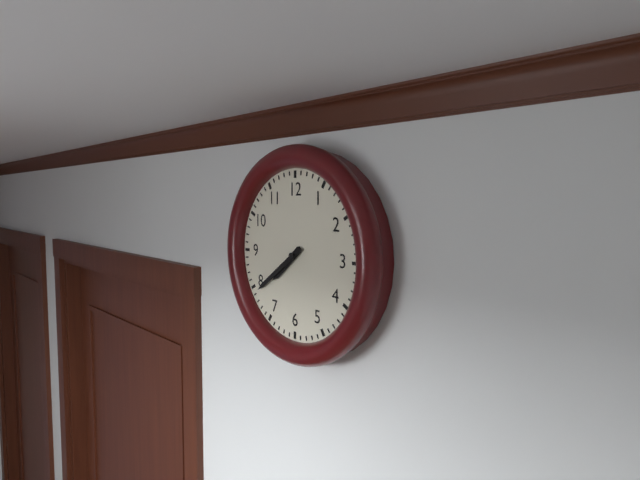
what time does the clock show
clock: 7:39
